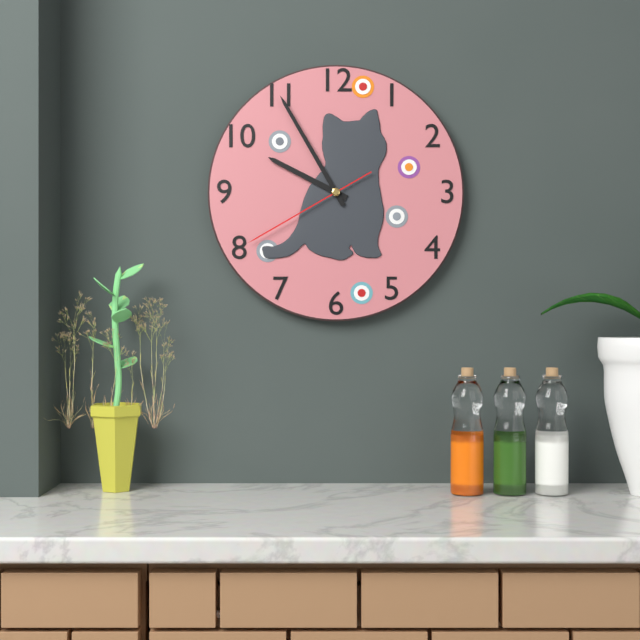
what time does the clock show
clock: 9:55:40
